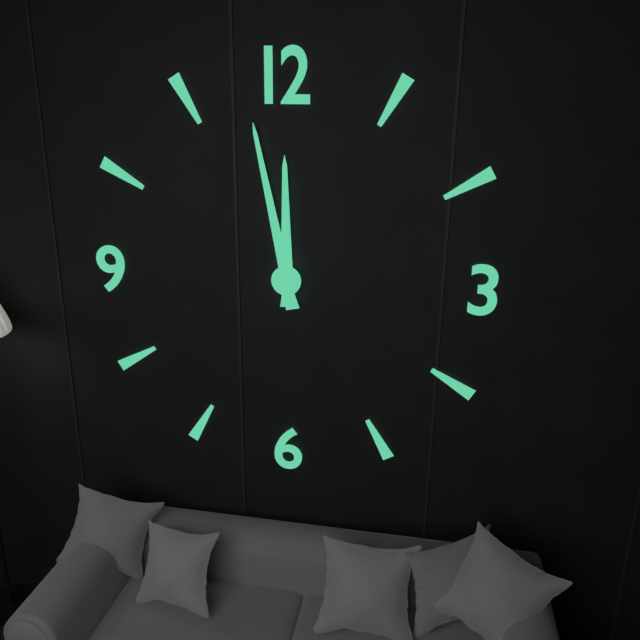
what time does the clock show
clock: 11:58
